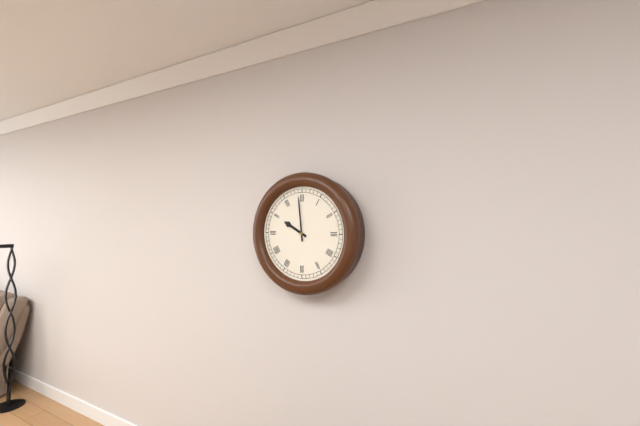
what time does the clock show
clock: 9:59
